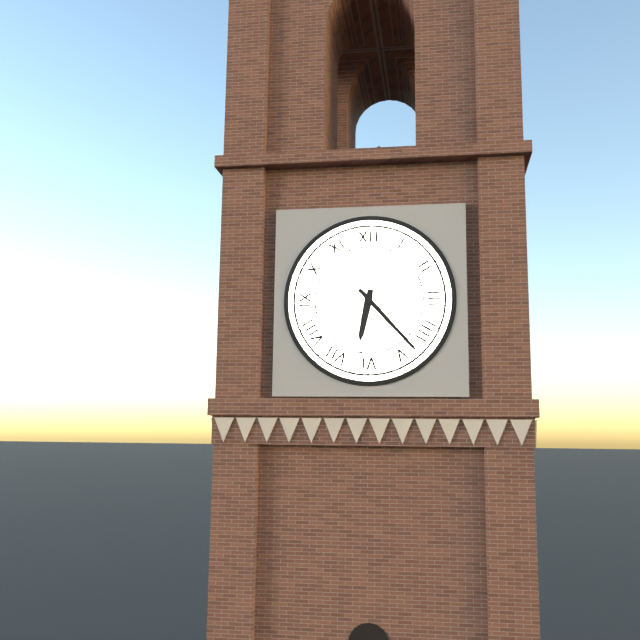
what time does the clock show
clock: 6:23
